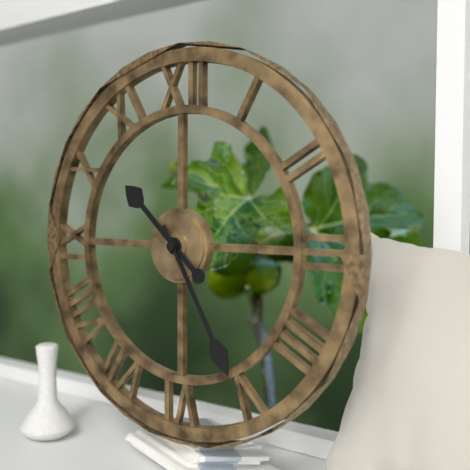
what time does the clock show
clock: 10:25
